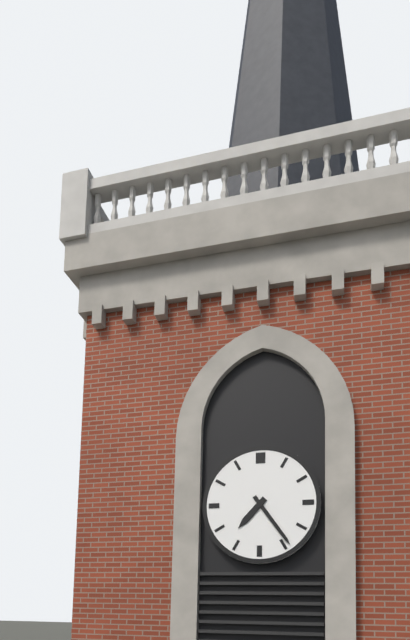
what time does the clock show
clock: 7:24
